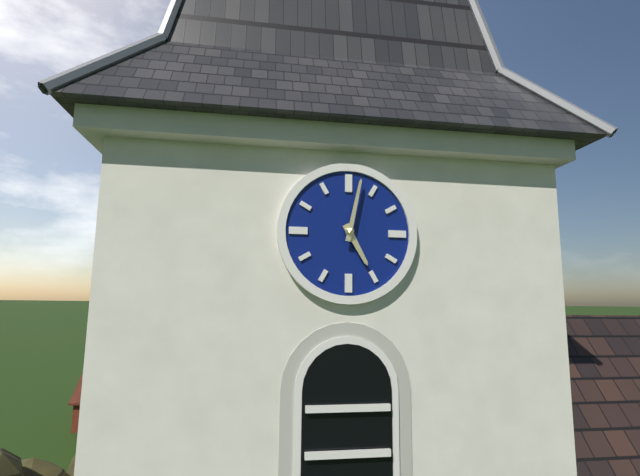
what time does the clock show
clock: 5:02
